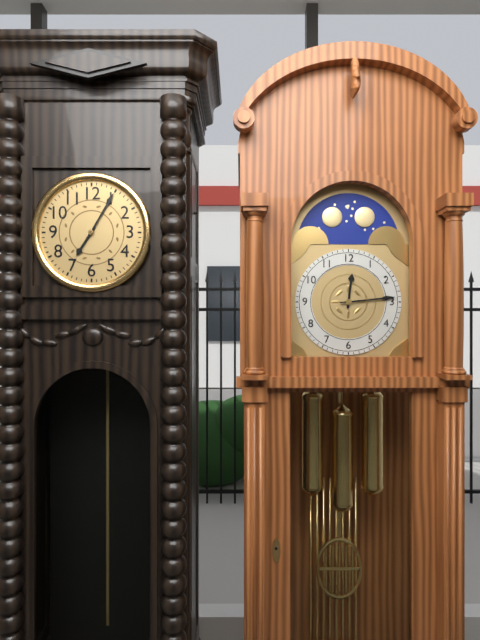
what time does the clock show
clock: 7:05
